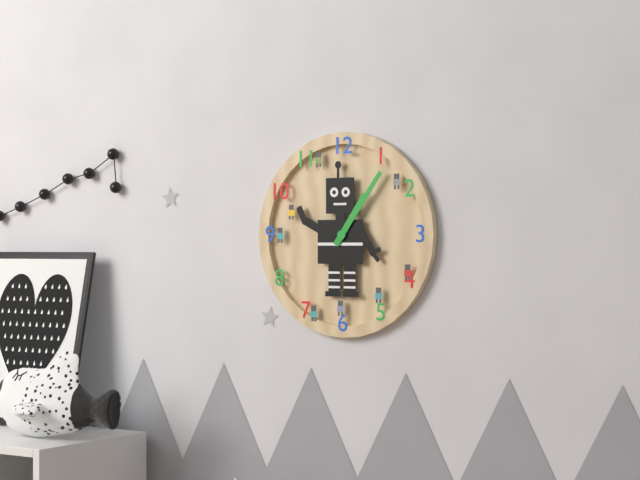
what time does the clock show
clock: 1:06
